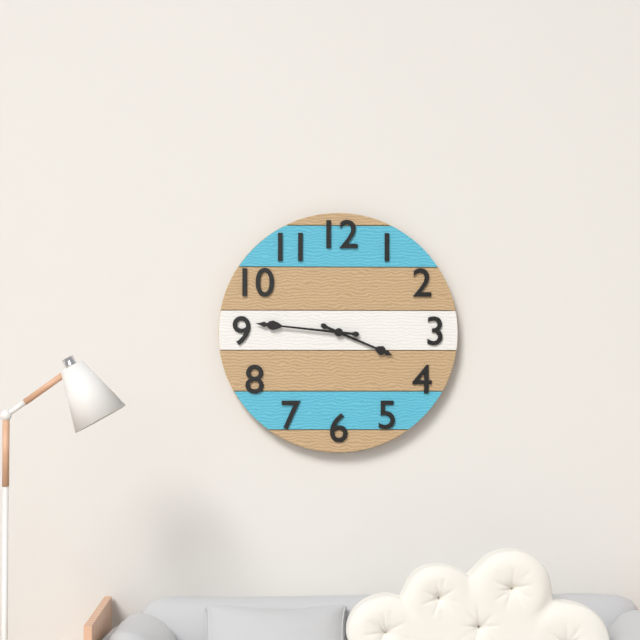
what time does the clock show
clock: 3:46
